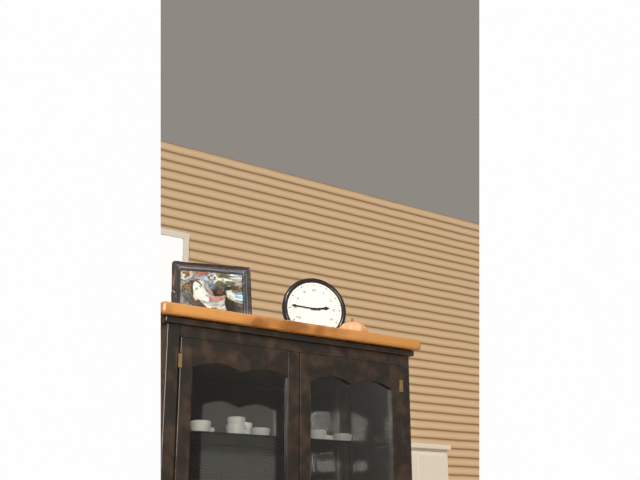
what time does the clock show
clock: 2:46
